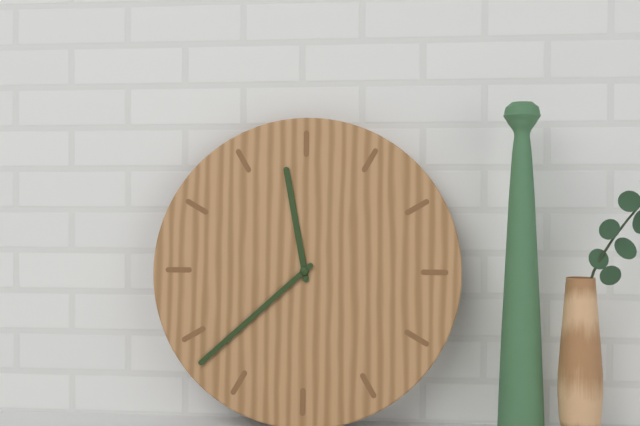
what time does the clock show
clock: 11:38
